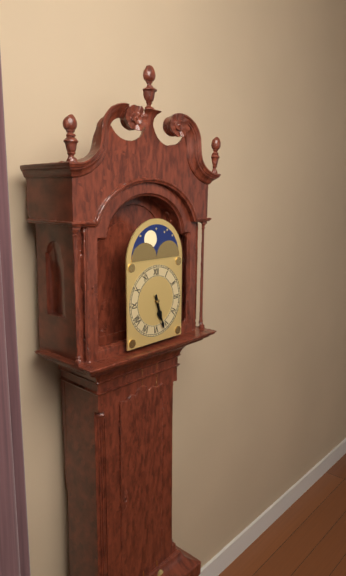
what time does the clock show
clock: 5:27
